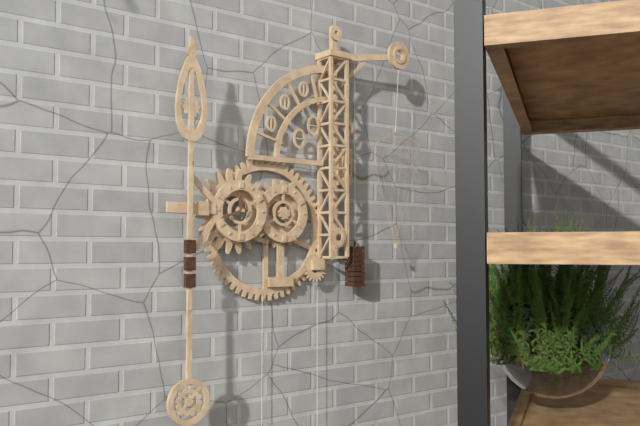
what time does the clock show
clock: 11:42
